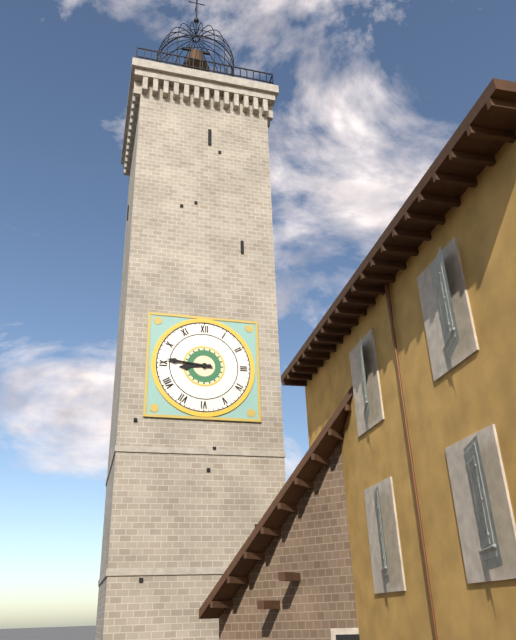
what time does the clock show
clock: 8:46
